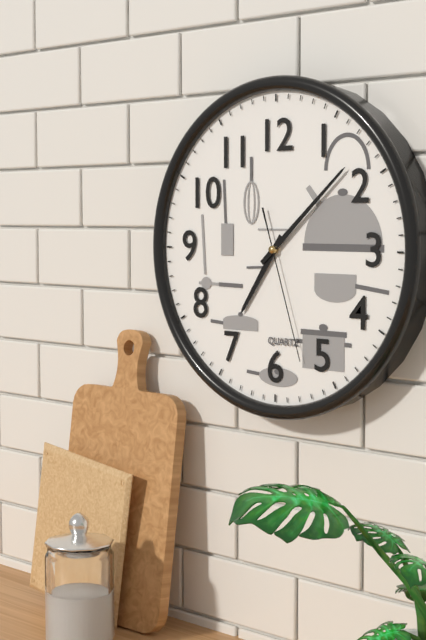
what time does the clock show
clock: 7:08:27
